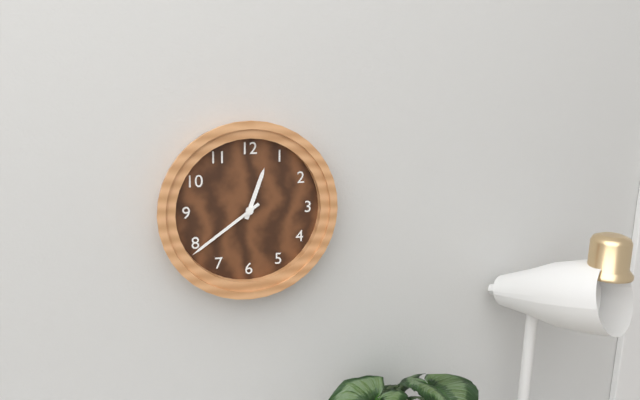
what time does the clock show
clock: 12:39
